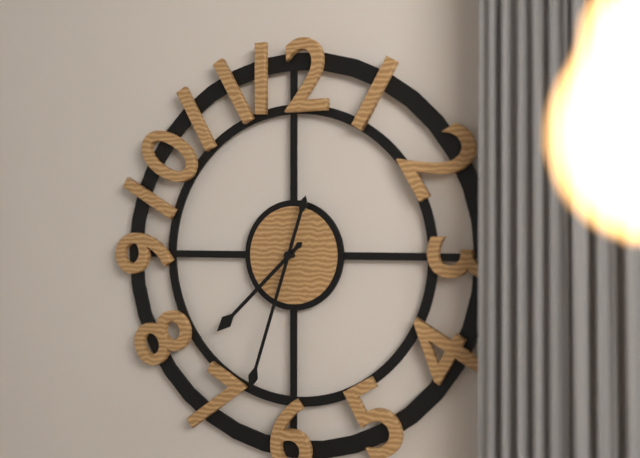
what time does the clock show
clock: 7:33
